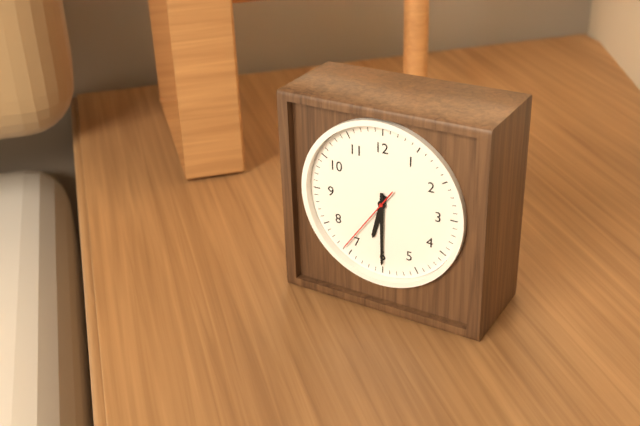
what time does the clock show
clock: 6:30:36
